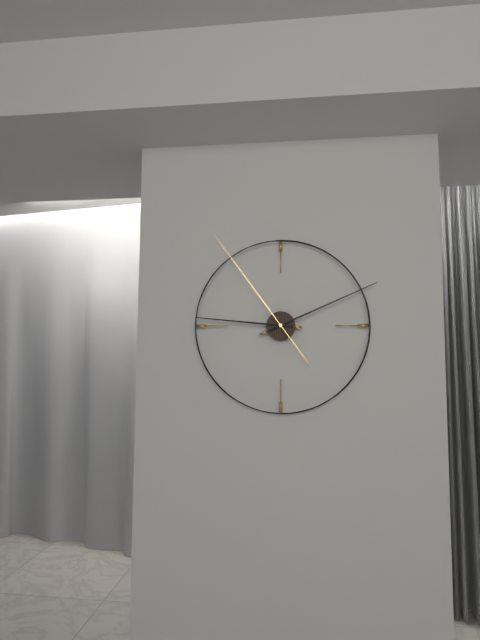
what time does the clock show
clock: 9:11:54
